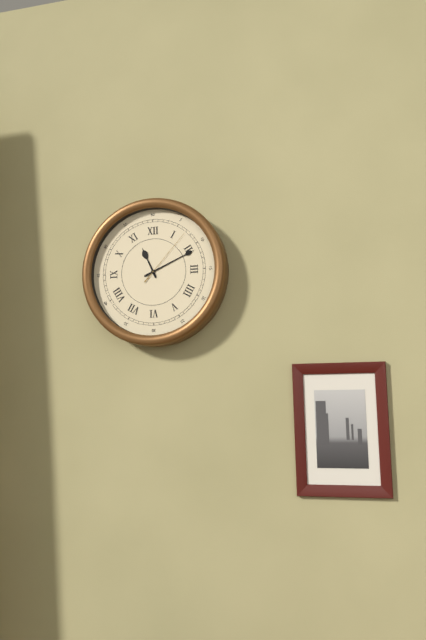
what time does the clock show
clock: 11:11:07
